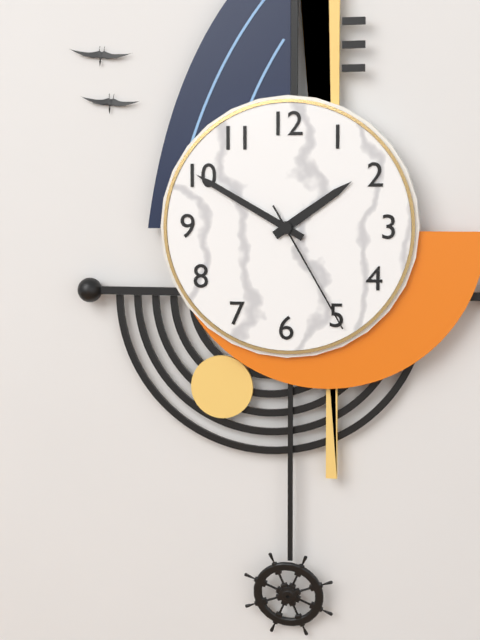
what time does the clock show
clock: 1:50:25
